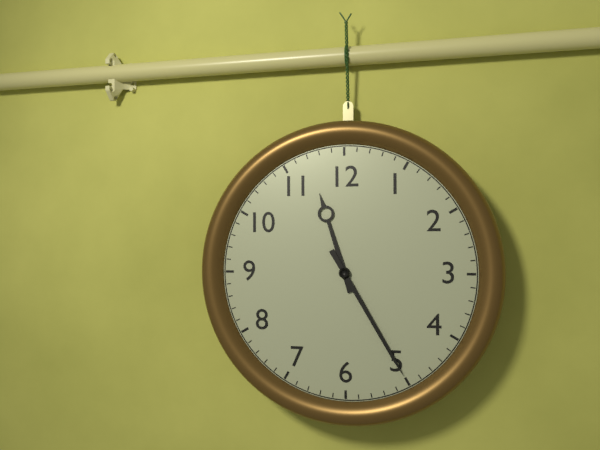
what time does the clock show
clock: 11:25
